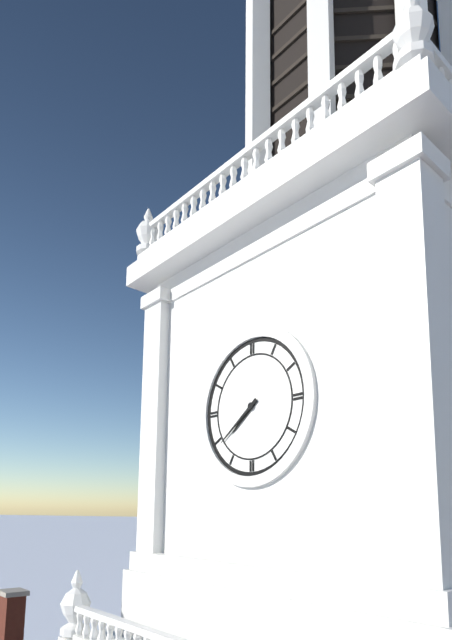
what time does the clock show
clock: 7:39
